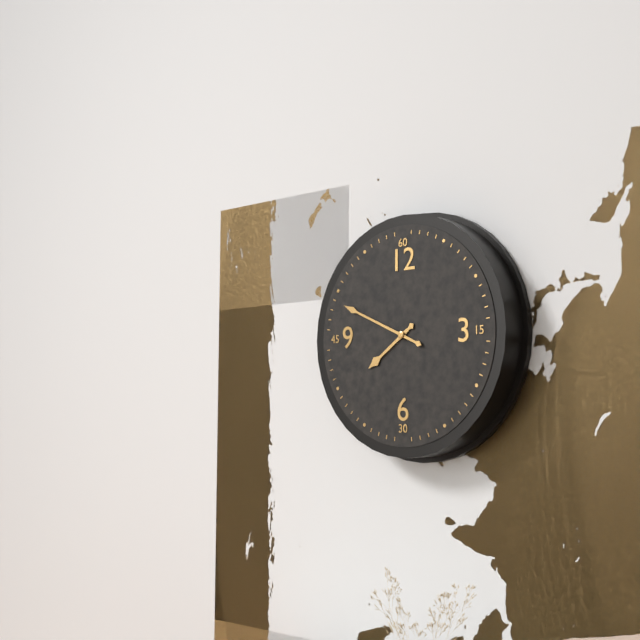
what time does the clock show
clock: 7:49
